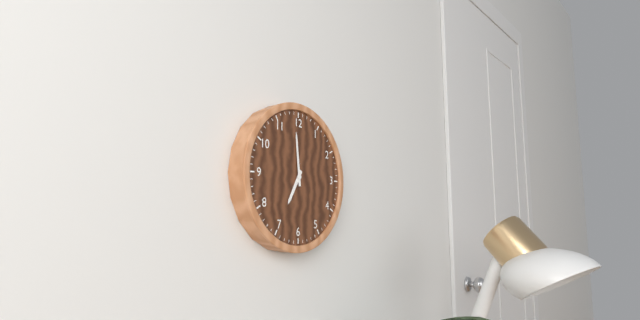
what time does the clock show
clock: 6:59
